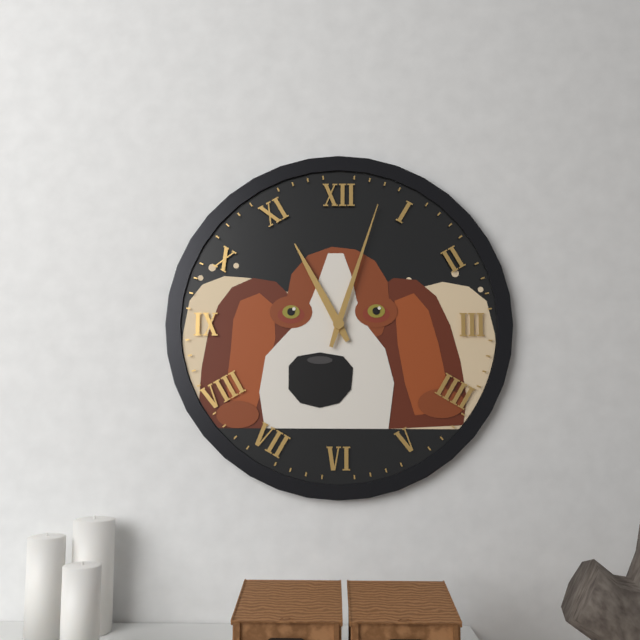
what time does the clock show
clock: 11:03
